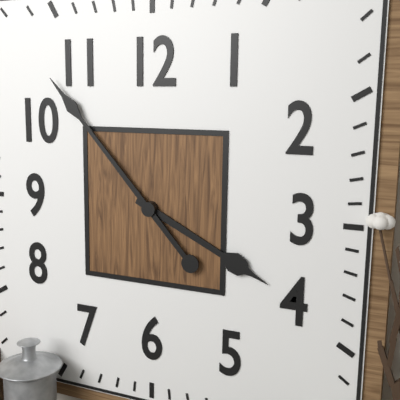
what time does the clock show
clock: 3:53
